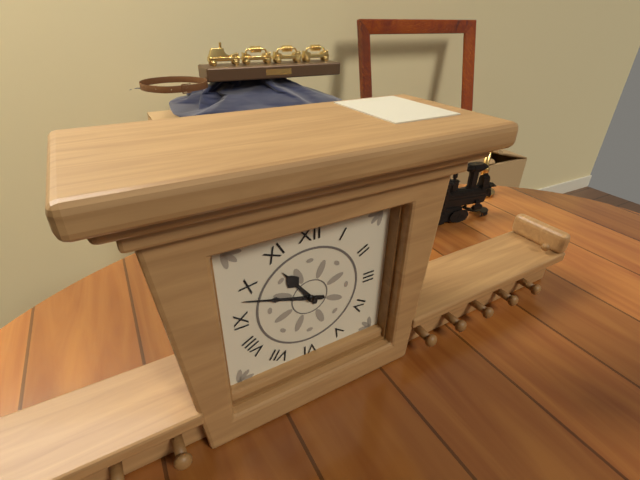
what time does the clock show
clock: 10:48
